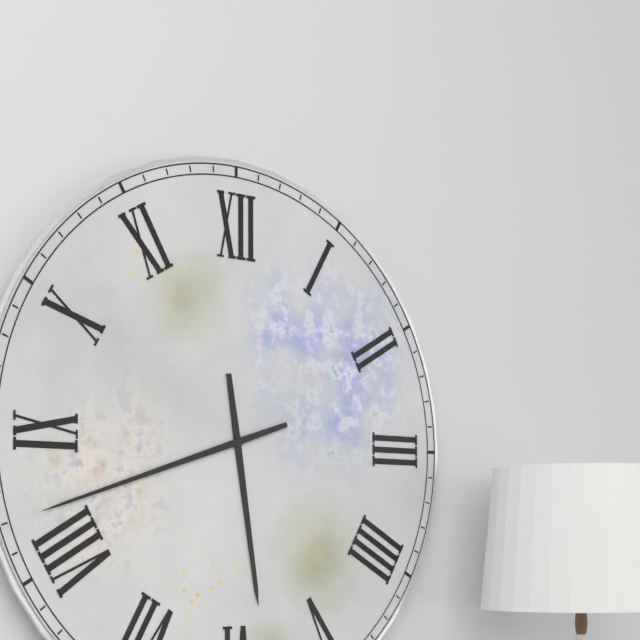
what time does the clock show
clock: 5:42
